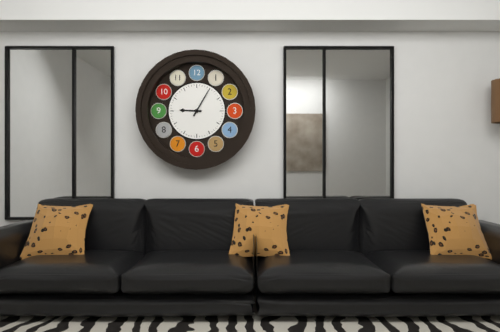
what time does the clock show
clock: 9:05
